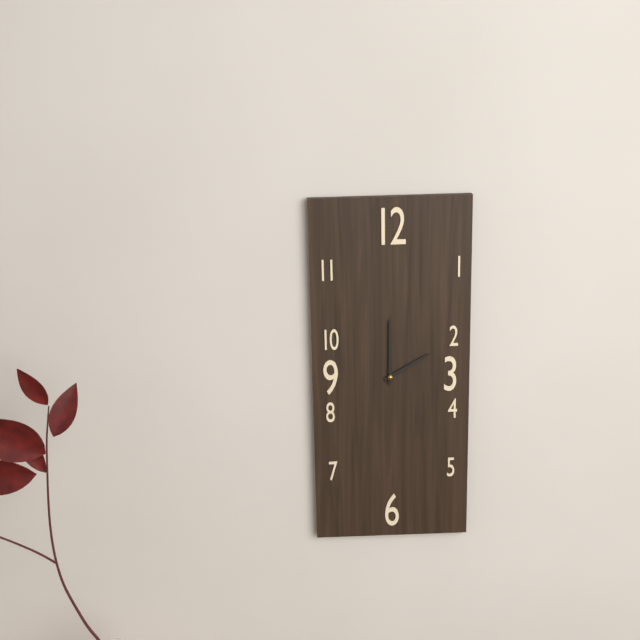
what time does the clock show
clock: 2:00
